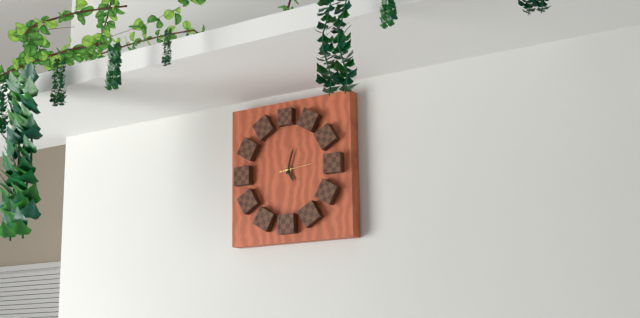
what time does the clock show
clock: 5:03
